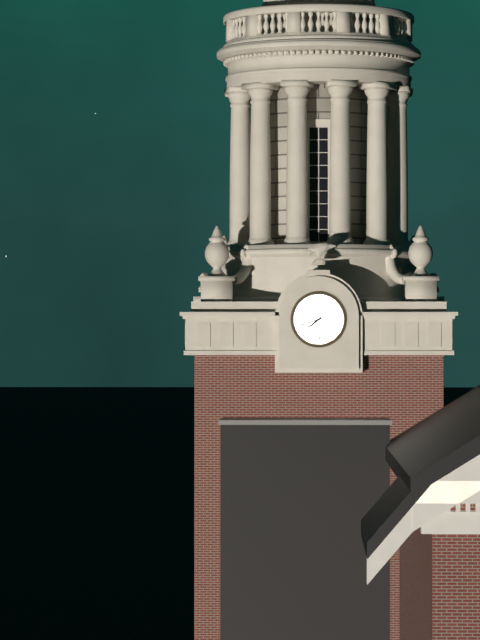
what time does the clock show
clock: 7:42
